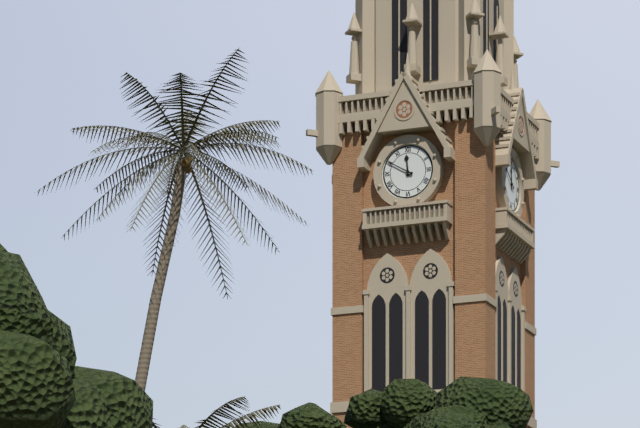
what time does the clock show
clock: 11:50
